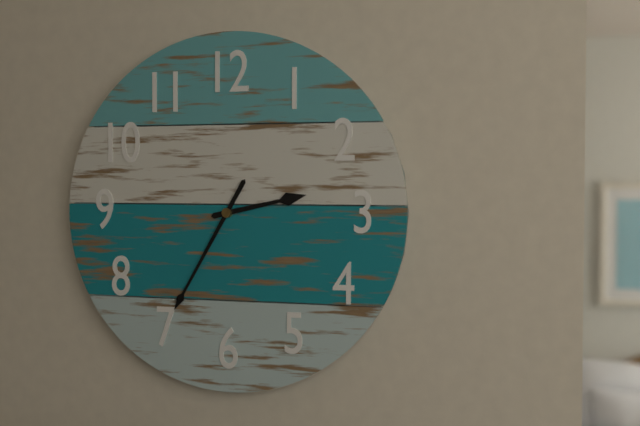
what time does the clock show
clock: 2:35
